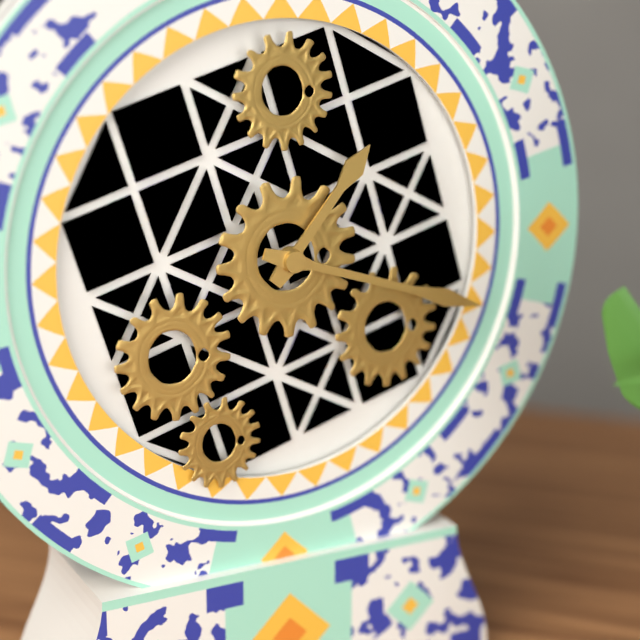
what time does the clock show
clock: 1:18
